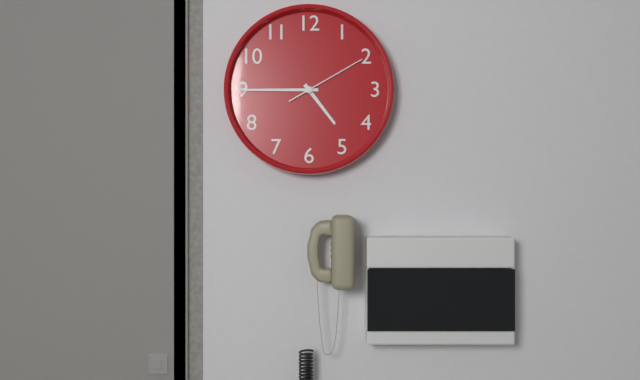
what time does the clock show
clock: 4:45:10
